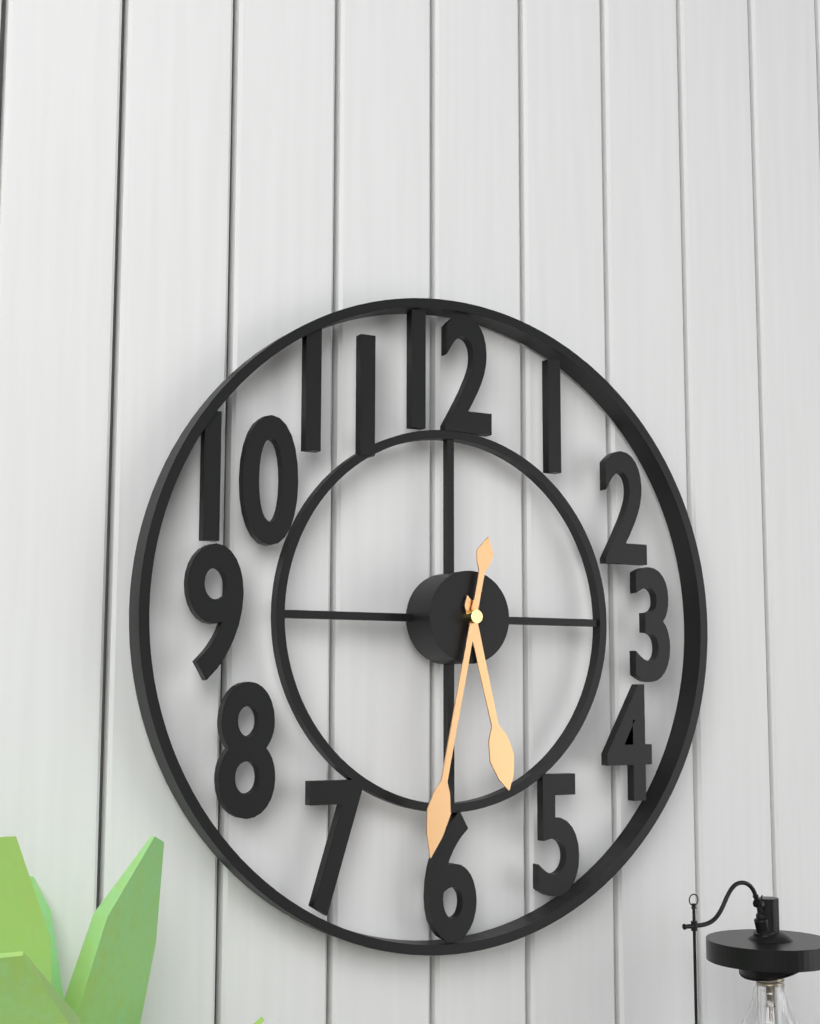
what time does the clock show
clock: 5:32
